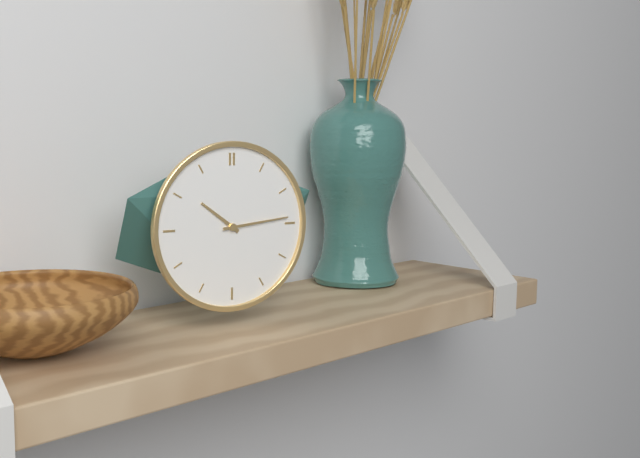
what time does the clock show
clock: 10:14
